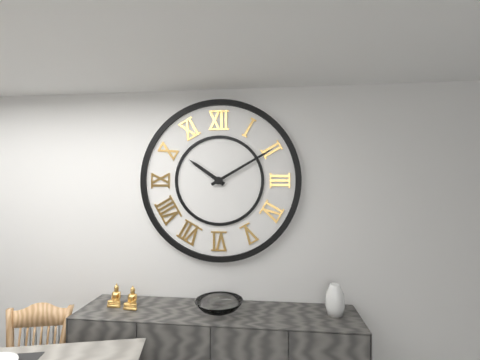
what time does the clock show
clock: 10:10
